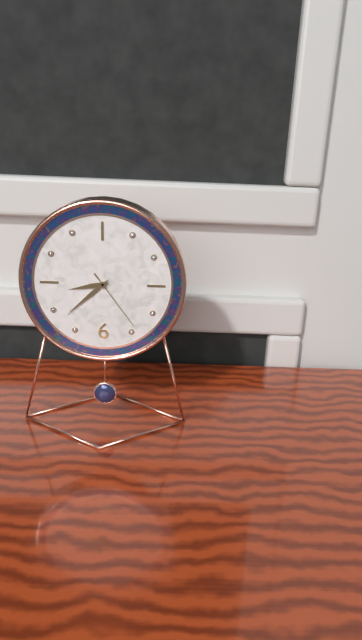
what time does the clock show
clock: 8:38:24
